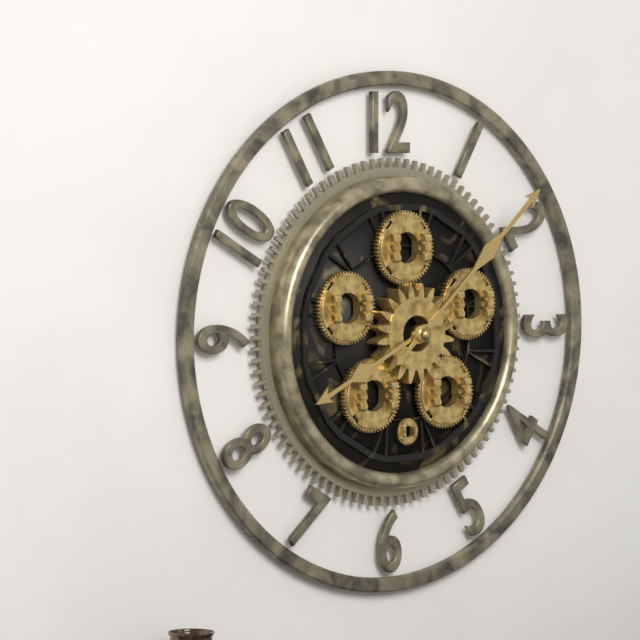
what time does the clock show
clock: 8:08
